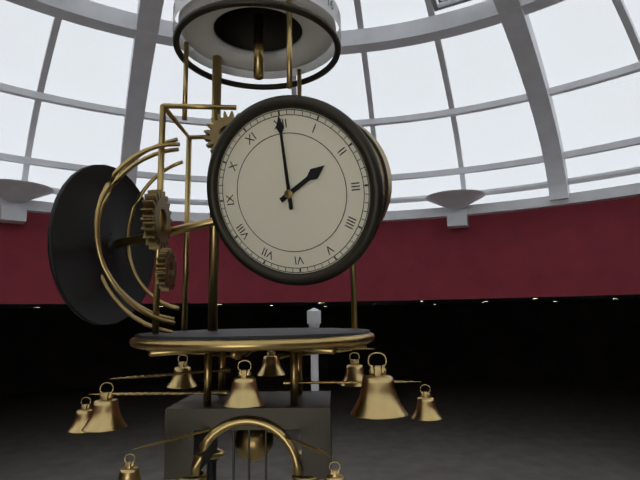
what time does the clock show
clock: 2:00
